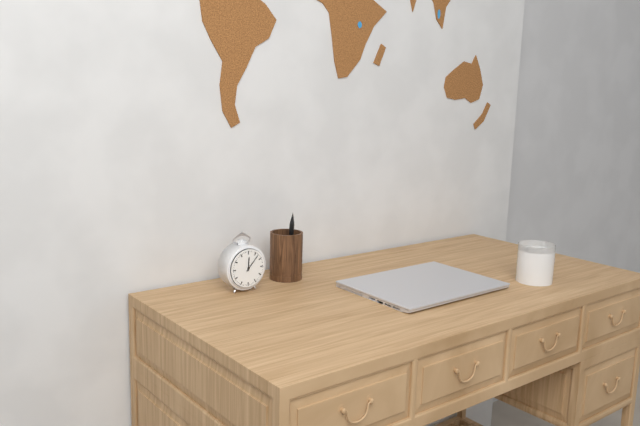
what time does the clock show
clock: 12:07
